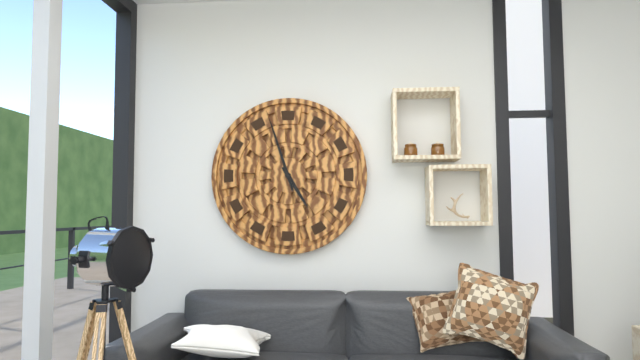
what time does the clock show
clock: 4:57
